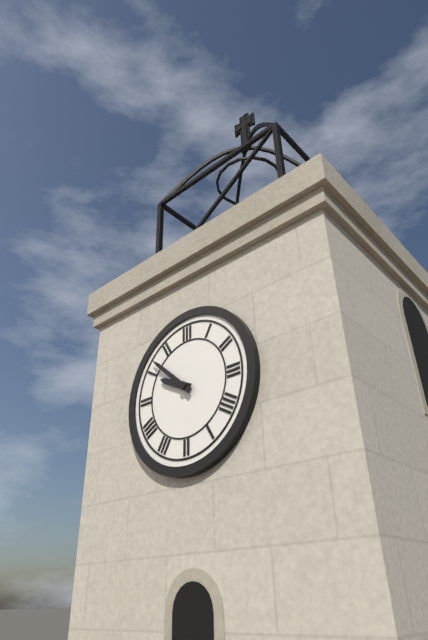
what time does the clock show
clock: 9:52
